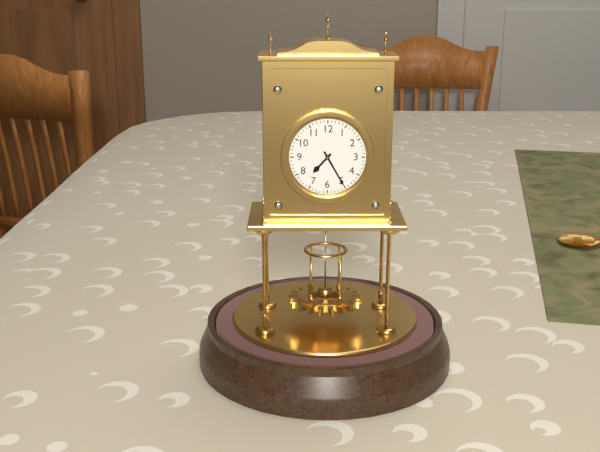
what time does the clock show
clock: 7:25
